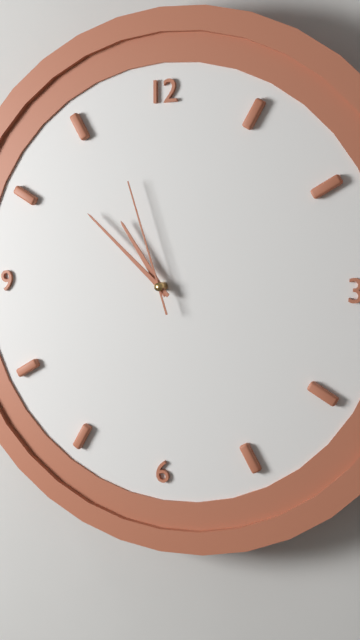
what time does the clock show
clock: 10:52:57
